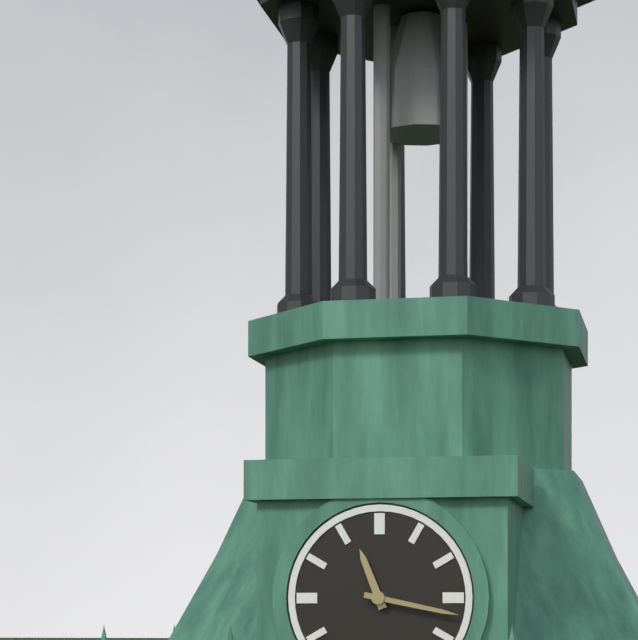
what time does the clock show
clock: 11:17
